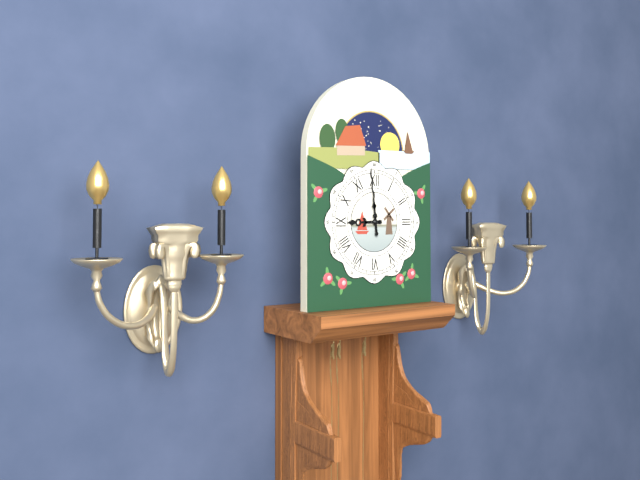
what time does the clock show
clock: 8:59
